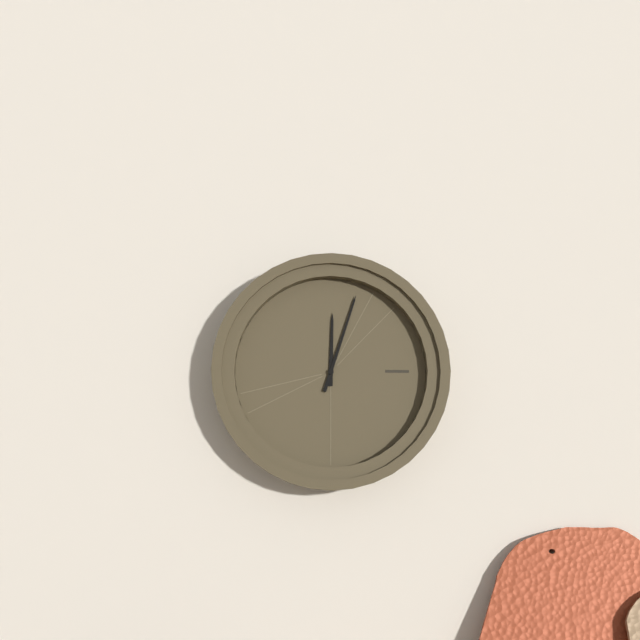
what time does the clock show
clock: 12:03
